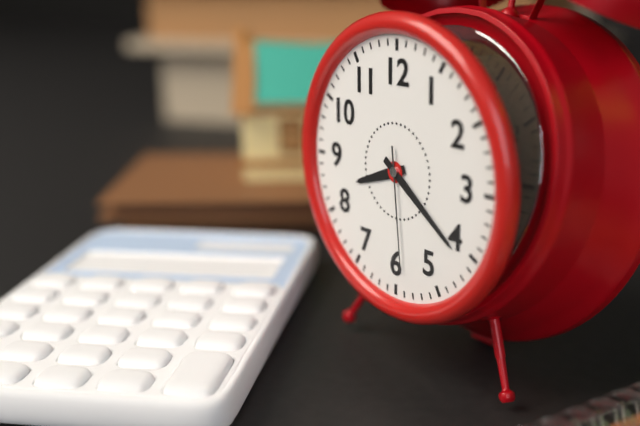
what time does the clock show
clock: 8:21:29
